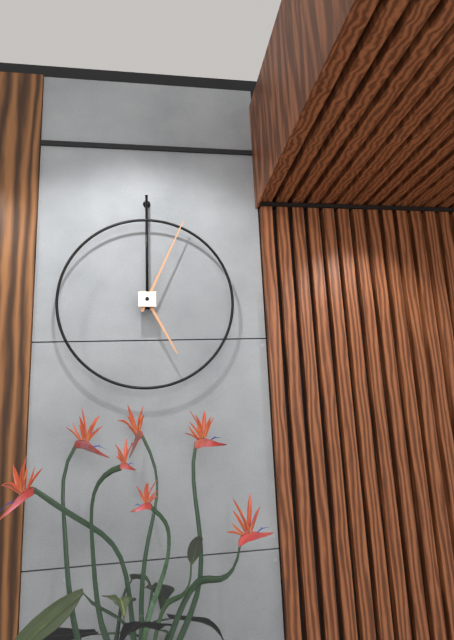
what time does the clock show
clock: 5:04
